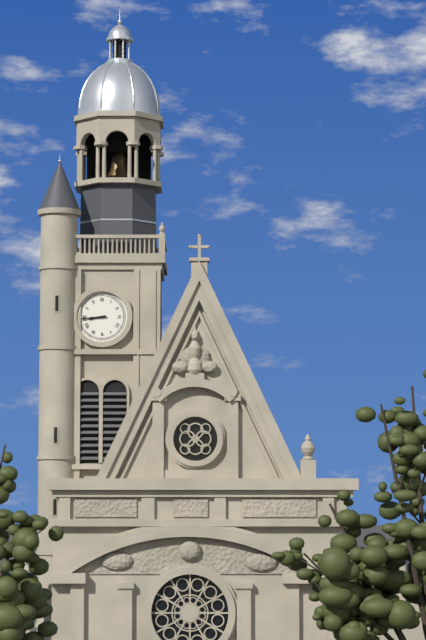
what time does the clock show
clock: 8:44
